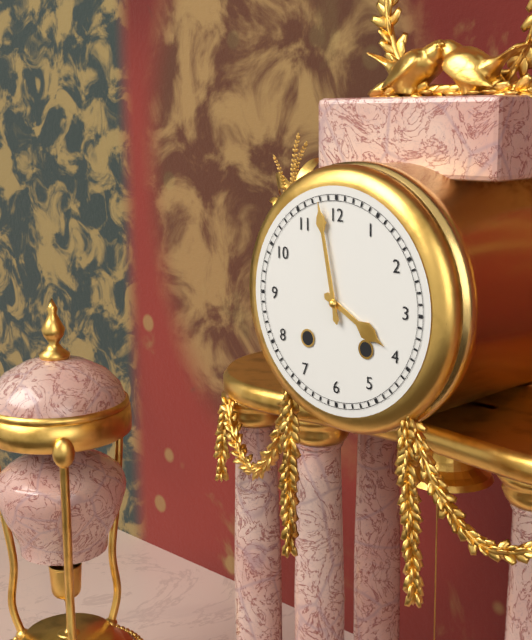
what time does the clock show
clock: 3:58
